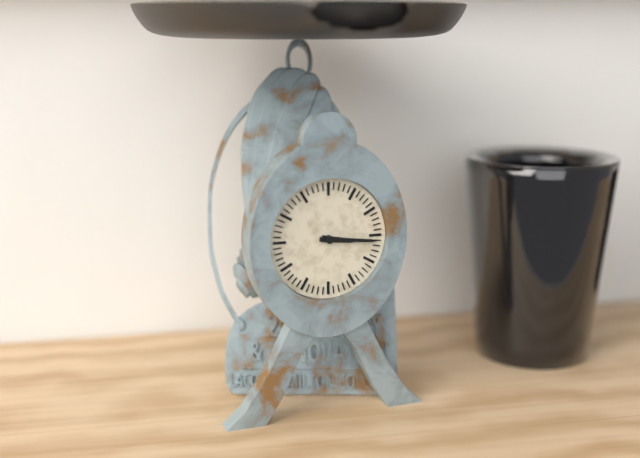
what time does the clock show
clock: 3:16
